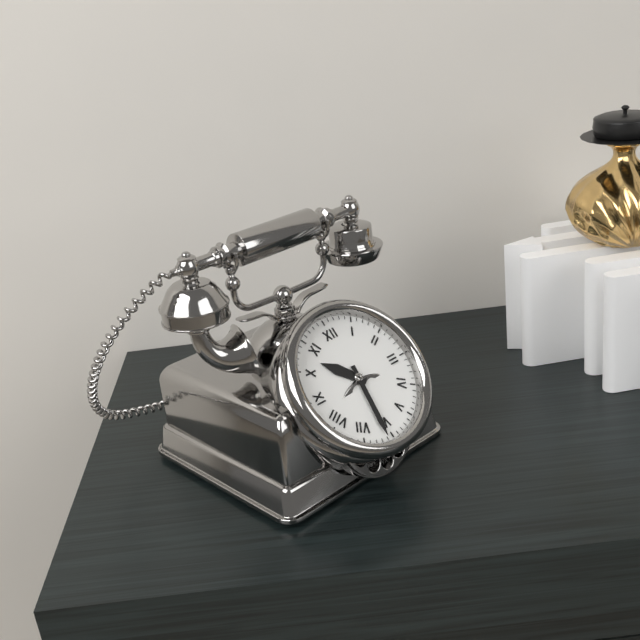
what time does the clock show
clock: 10:31
